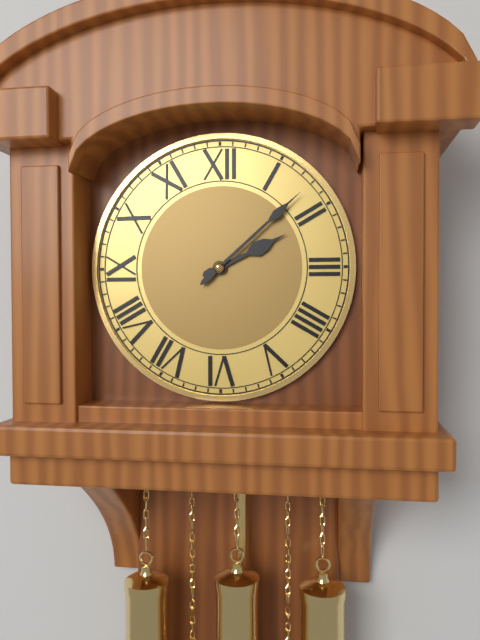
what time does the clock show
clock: 2:08
